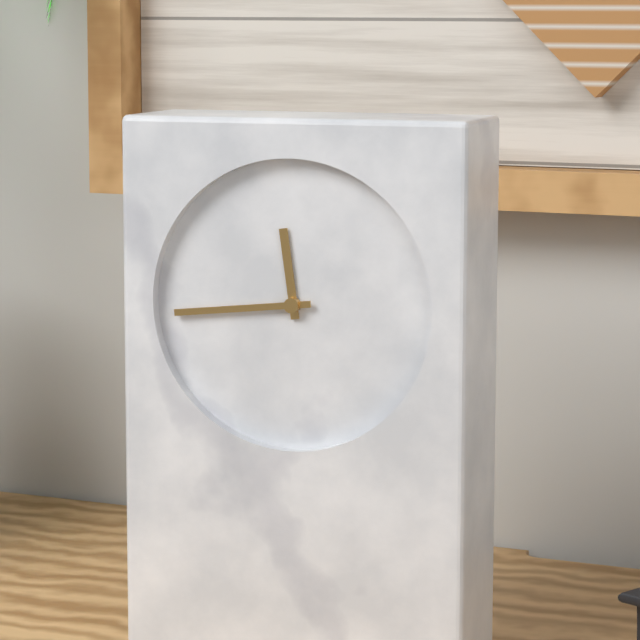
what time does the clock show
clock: 11:44
